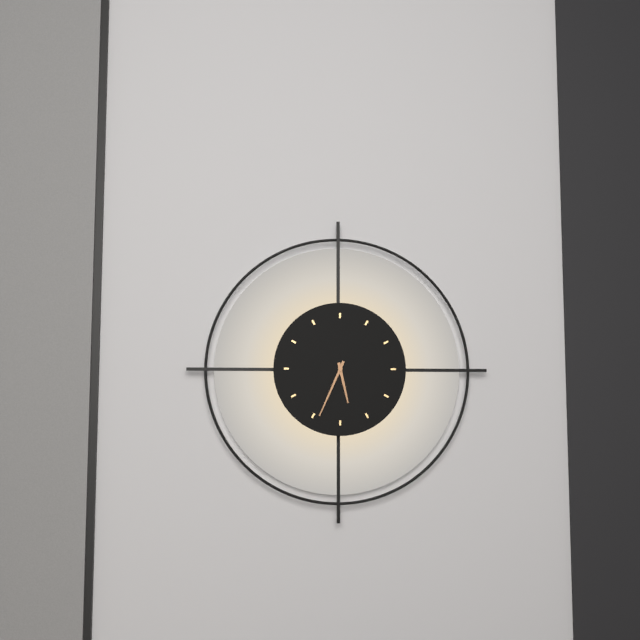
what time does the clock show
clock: 5:34
